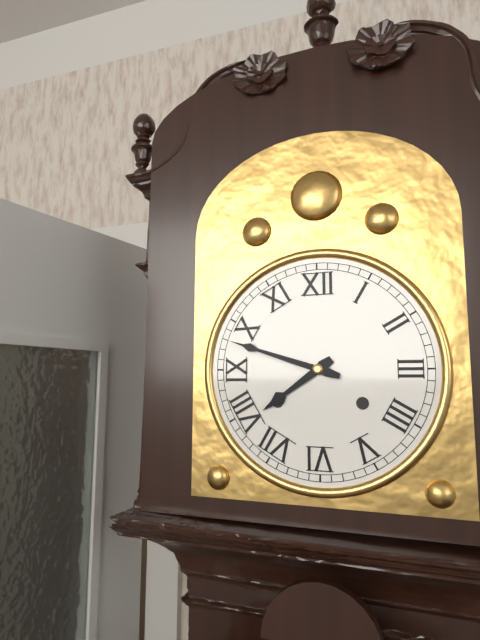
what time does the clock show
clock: 7:48
